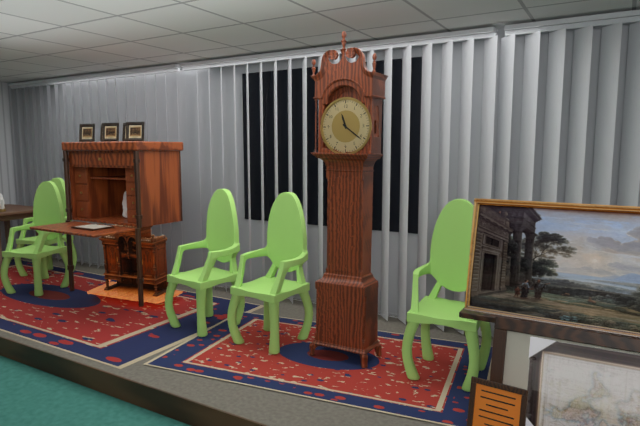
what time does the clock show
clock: 11:21
